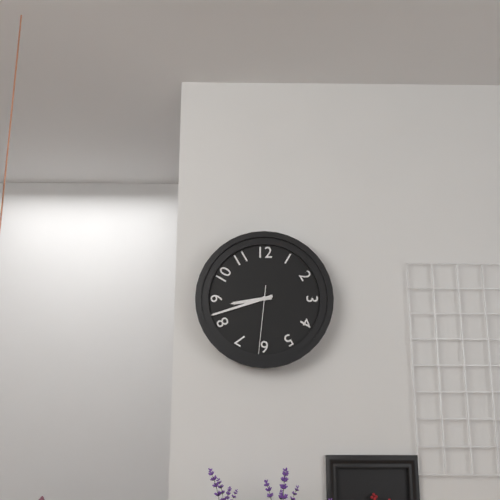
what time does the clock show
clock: 8:42:31
